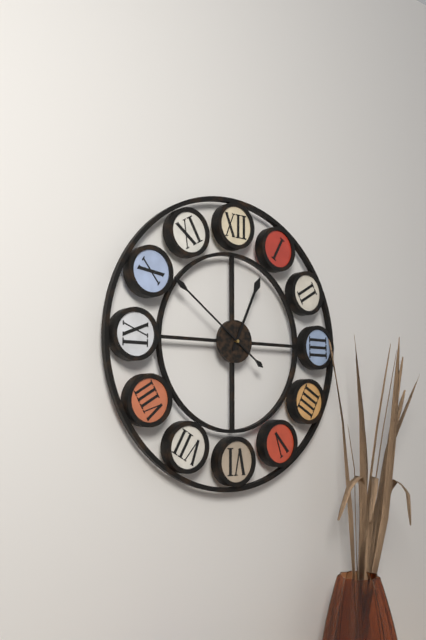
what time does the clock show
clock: 12:51
